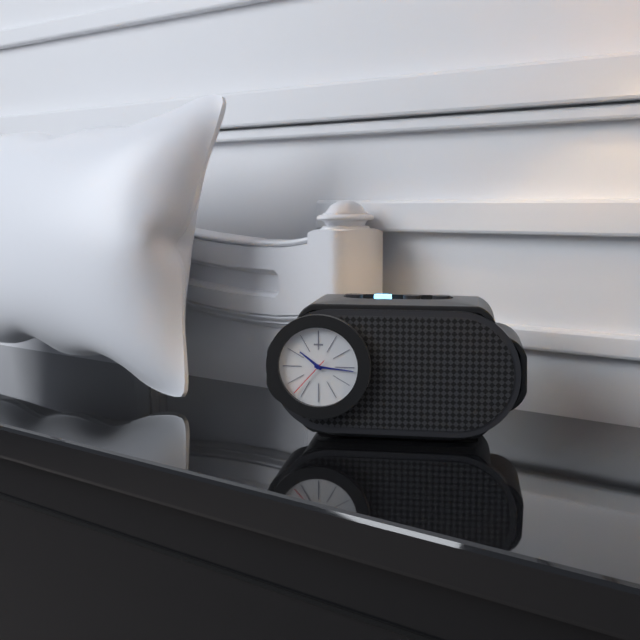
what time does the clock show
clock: 10:16:37
